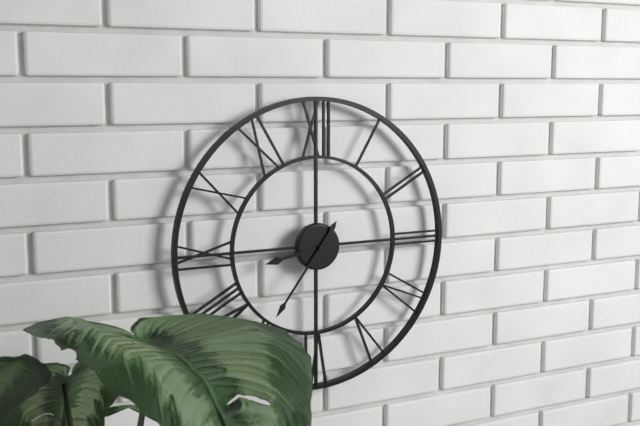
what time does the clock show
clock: 8:36
